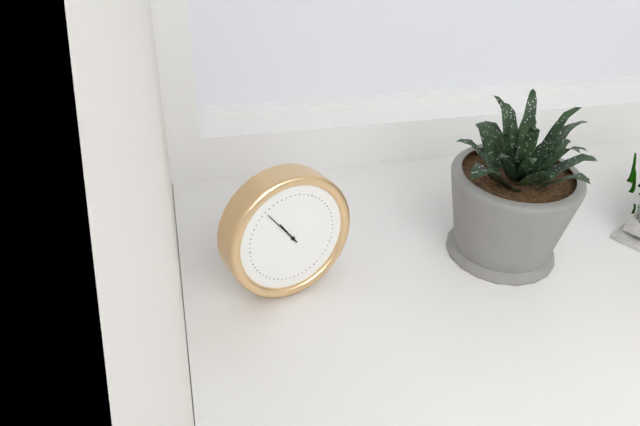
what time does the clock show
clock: 10:54
